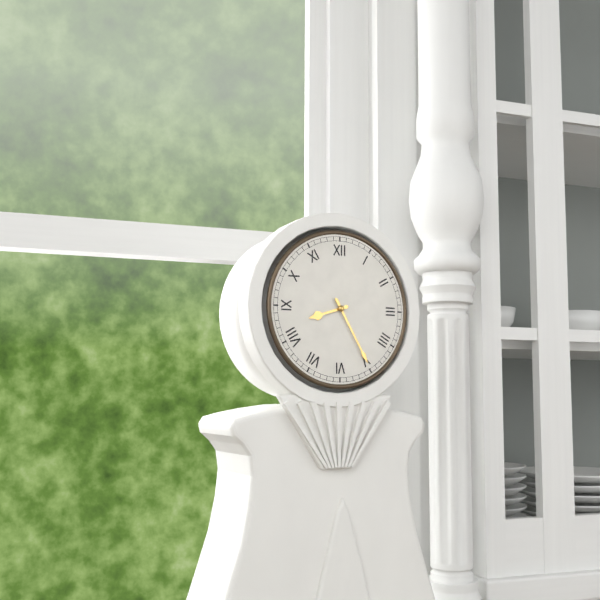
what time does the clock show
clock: 8:25
